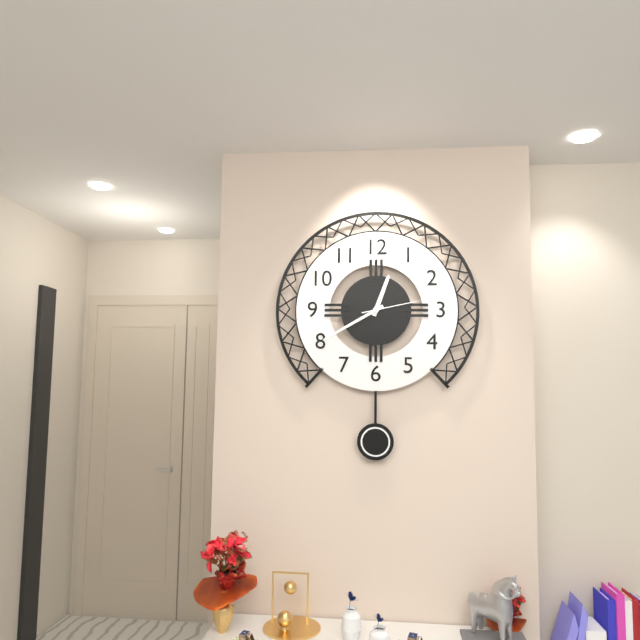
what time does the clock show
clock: 12:40:13
